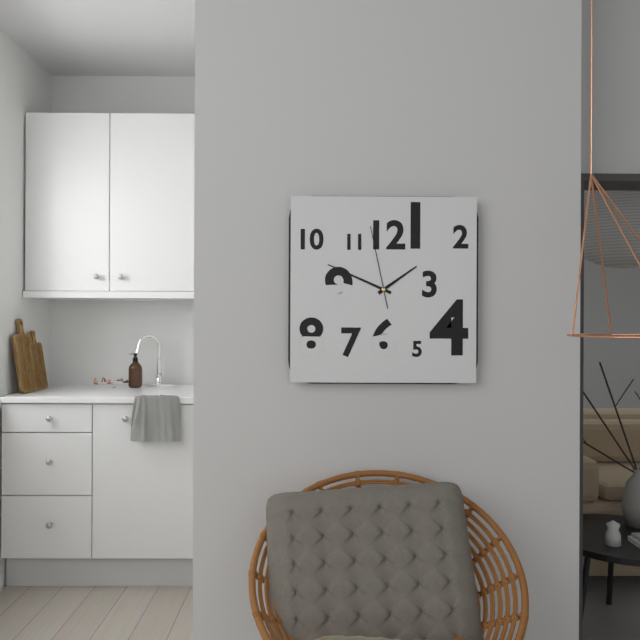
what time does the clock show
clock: 1:49:58
